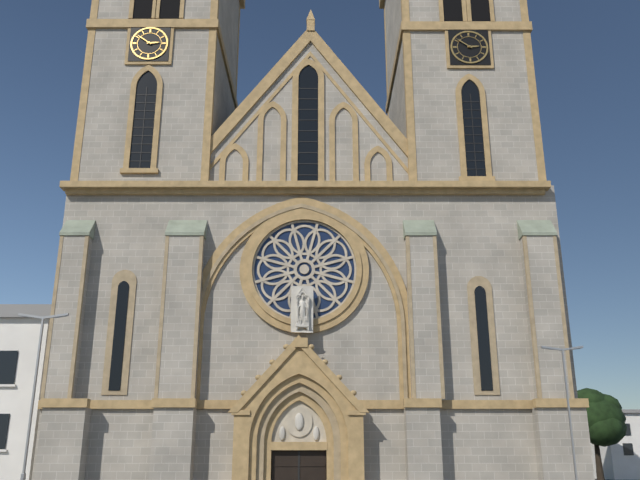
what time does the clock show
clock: 2:51
